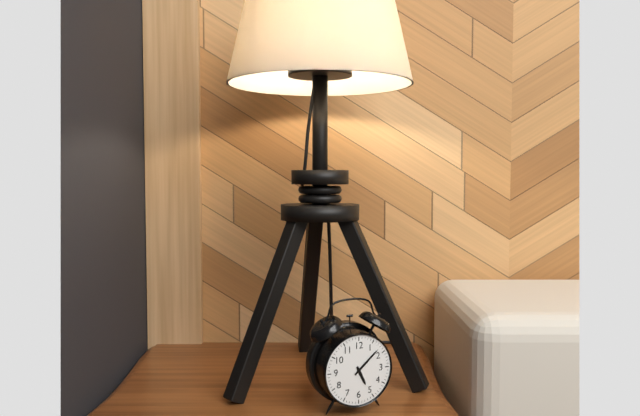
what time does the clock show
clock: 5:08
